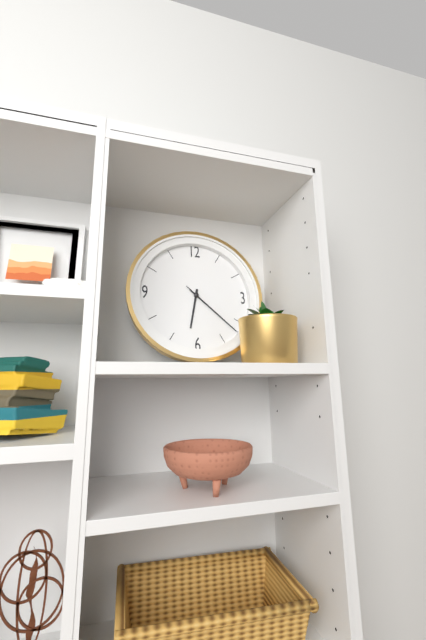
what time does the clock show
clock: 6:22:22
